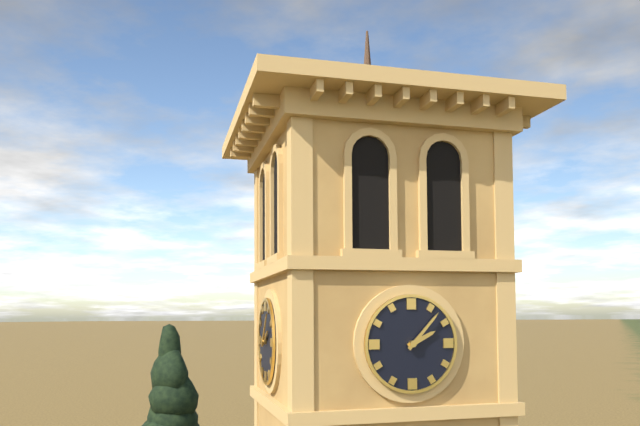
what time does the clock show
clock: 2:07
